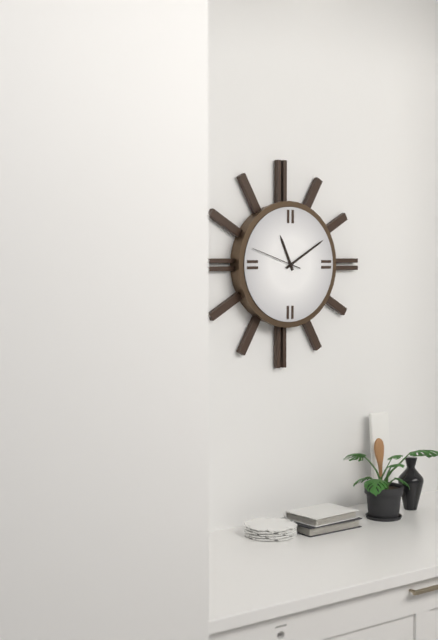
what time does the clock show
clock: 11:10:48
